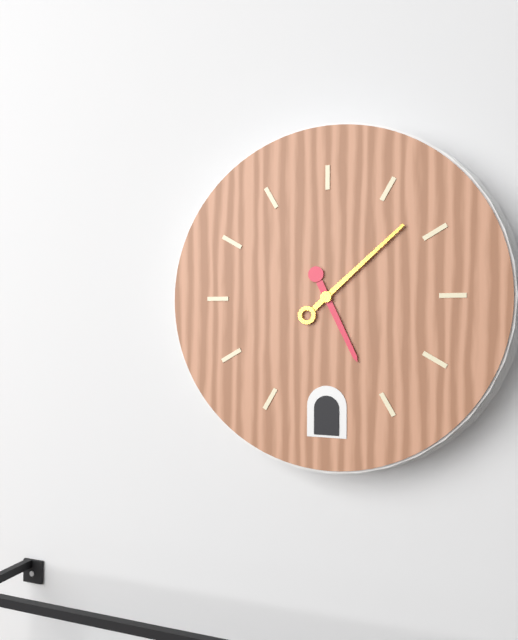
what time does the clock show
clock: 5:08
